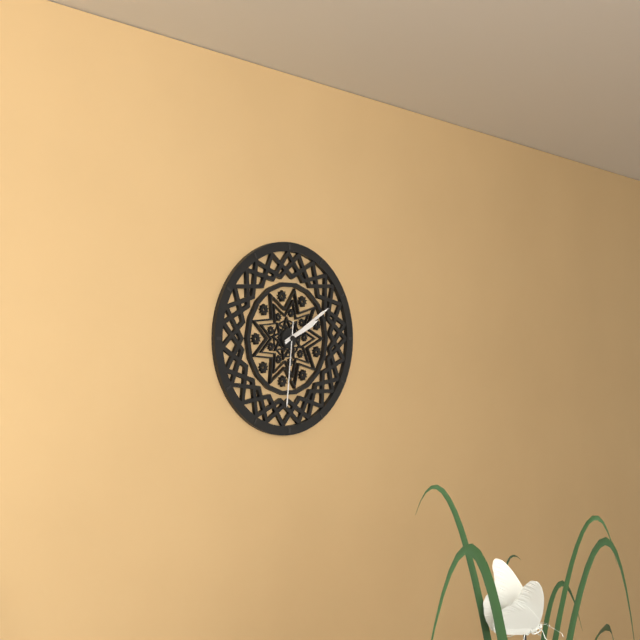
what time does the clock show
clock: 2:10:31
